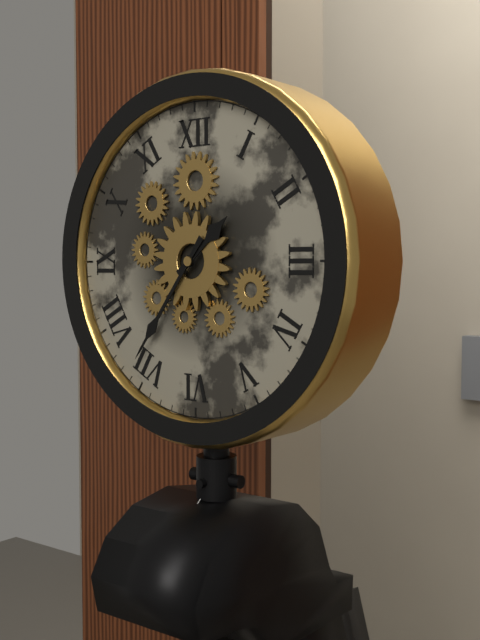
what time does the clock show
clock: 1:36
